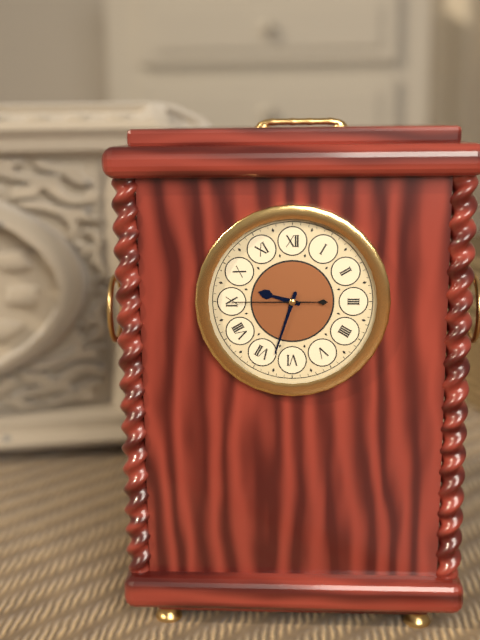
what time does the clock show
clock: 9:33:45
